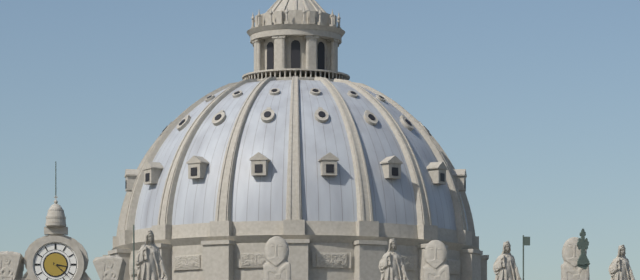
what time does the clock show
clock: 3:22
